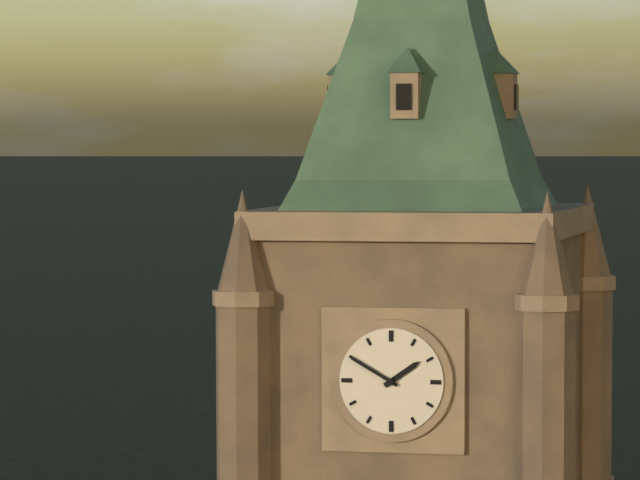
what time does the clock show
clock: 1:50
